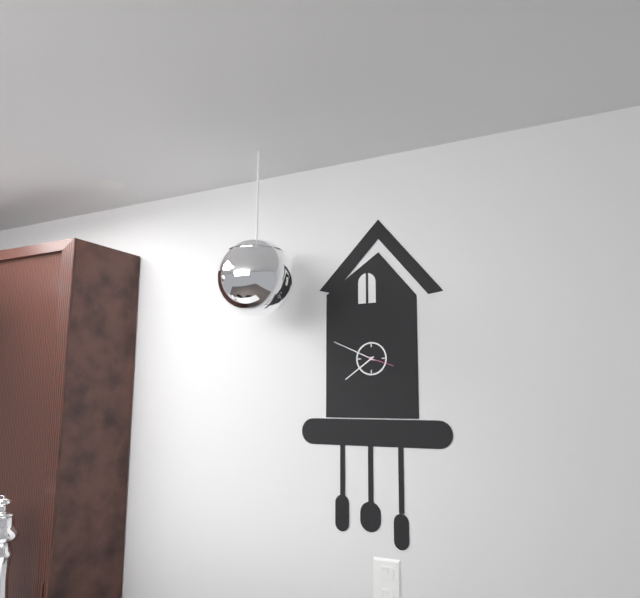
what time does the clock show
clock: 7:49
